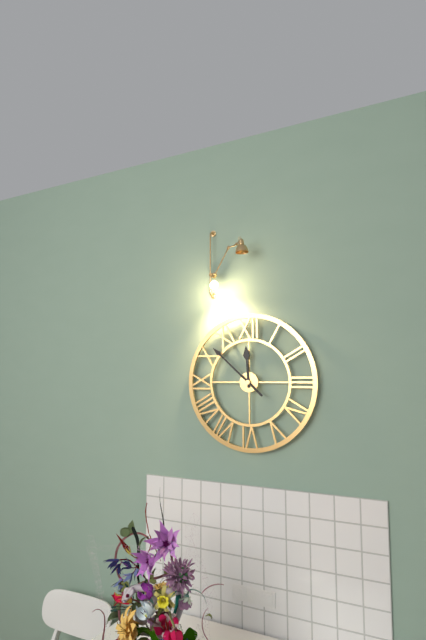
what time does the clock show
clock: 11:52
